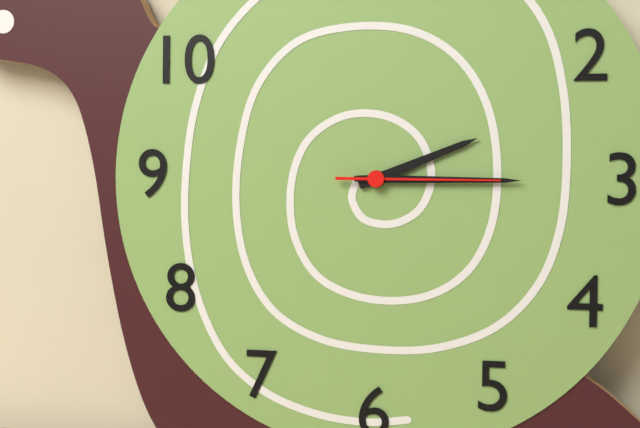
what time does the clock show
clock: 2:15:15
